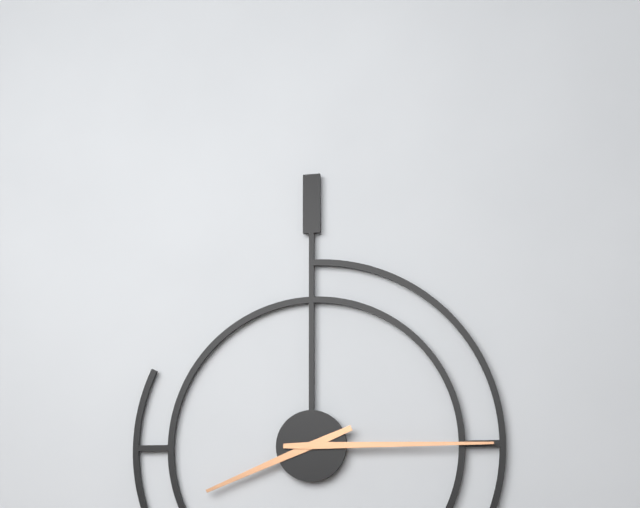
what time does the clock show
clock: 8:15
